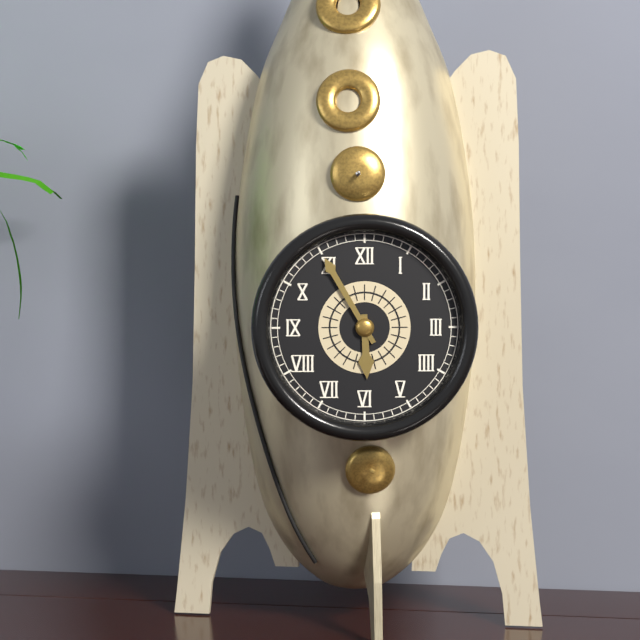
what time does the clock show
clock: 5:55
